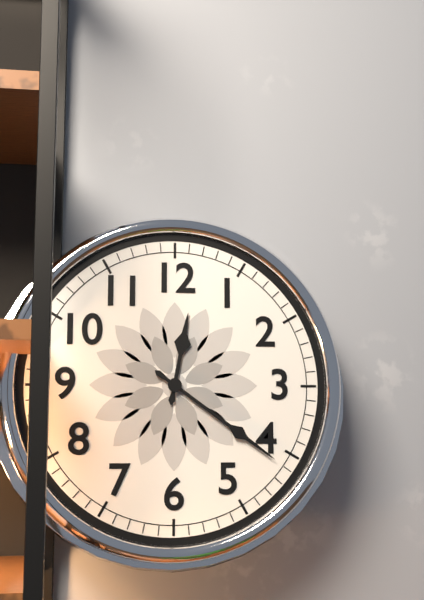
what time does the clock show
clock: 12:21
